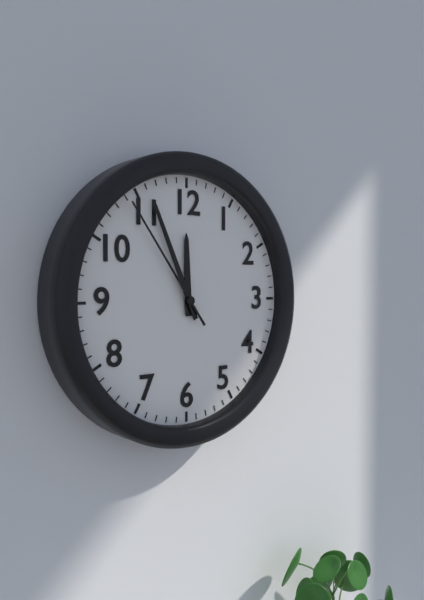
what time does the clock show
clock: 11:56:54
